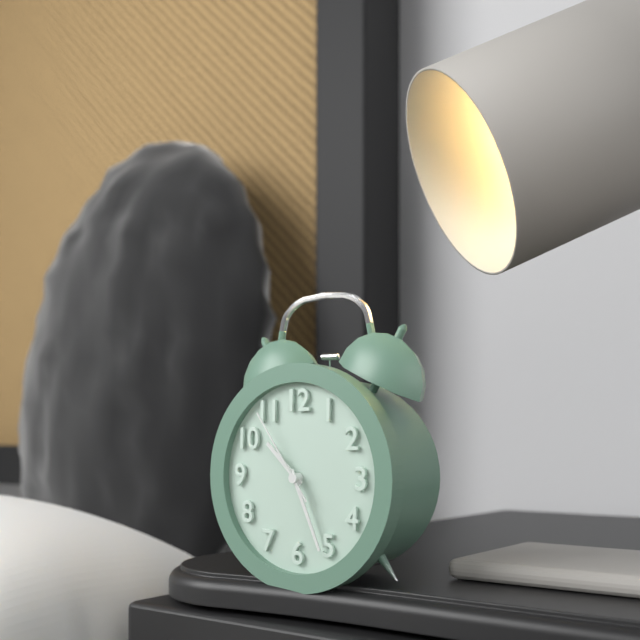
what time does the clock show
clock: 10:26:54
